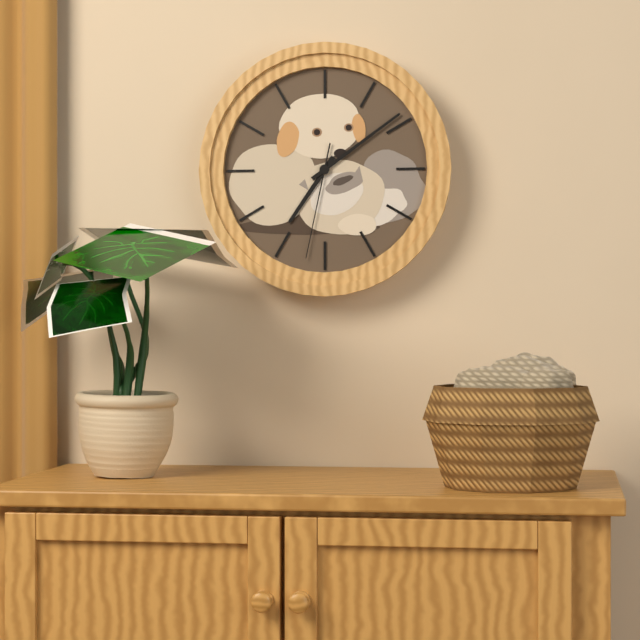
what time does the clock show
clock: 7:09:32
